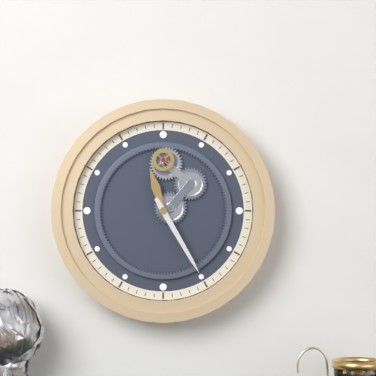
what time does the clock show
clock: 11:25
